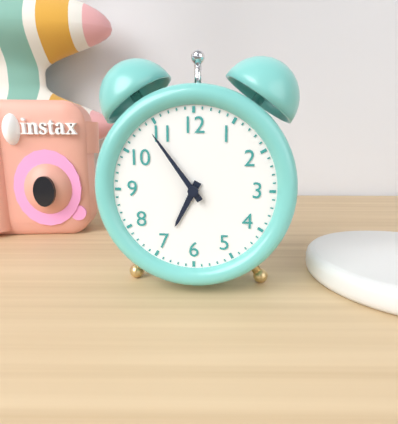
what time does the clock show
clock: 6:54
